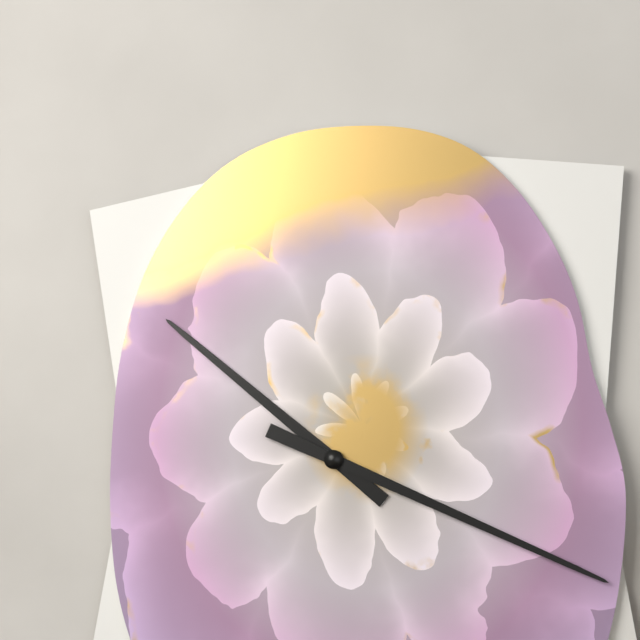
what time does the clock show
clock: 10:19
